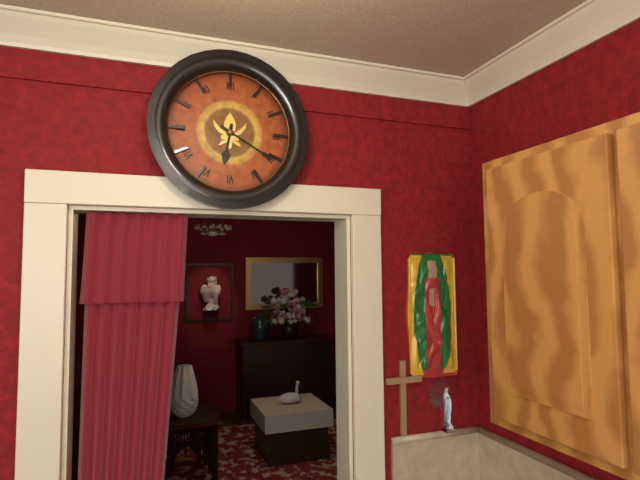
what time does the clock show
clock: 6:20
